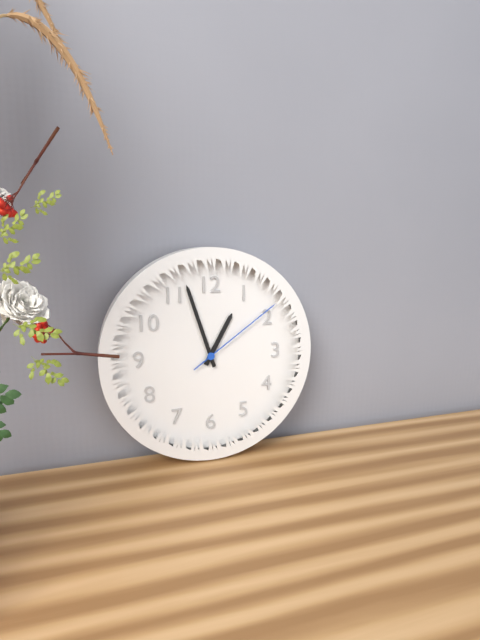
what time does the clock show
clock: 12:57:09
